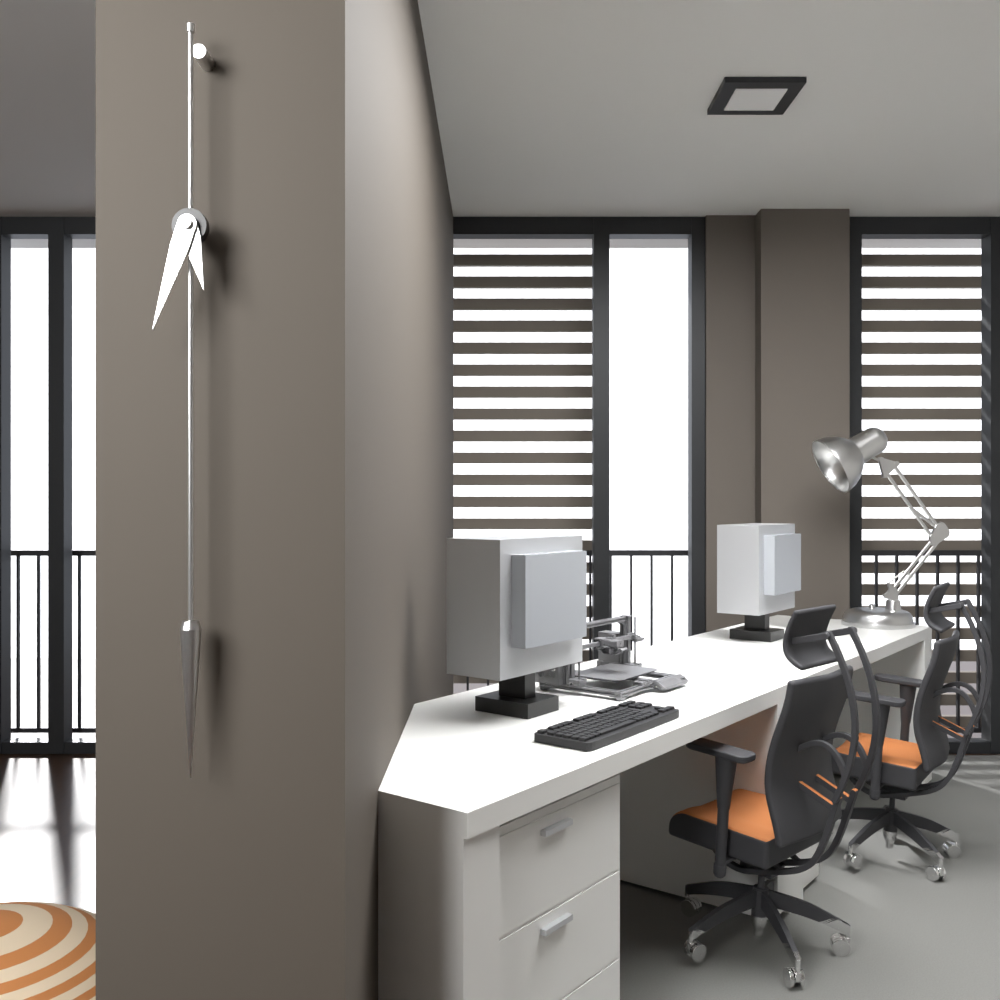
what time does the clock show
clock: 5:33
